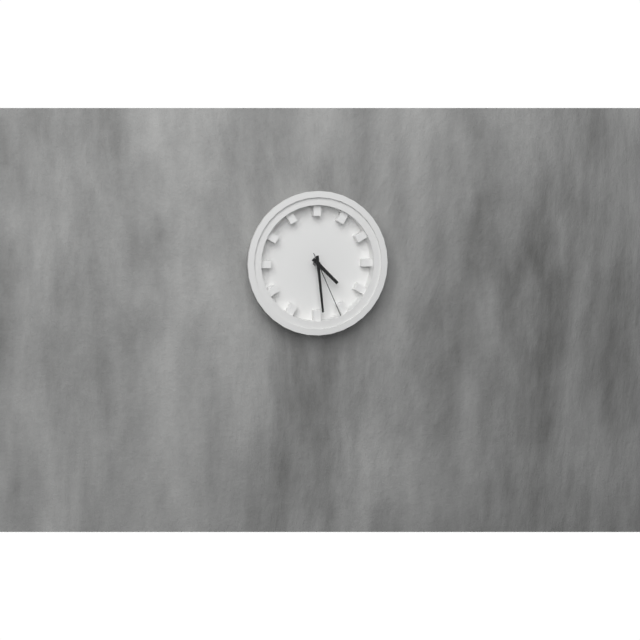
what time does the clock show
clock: 4:29:26
